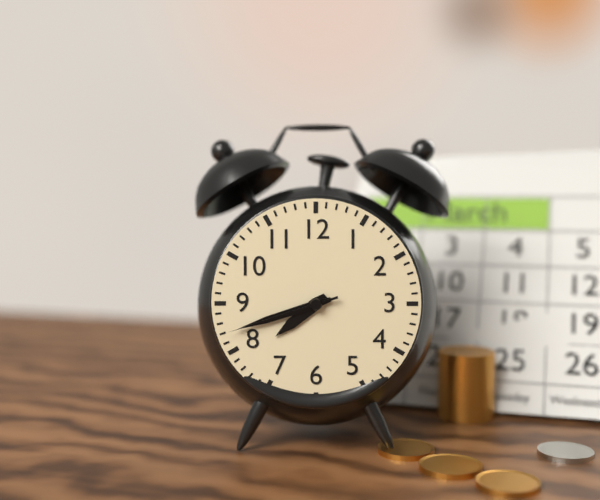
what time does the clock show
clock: 7:42:42
